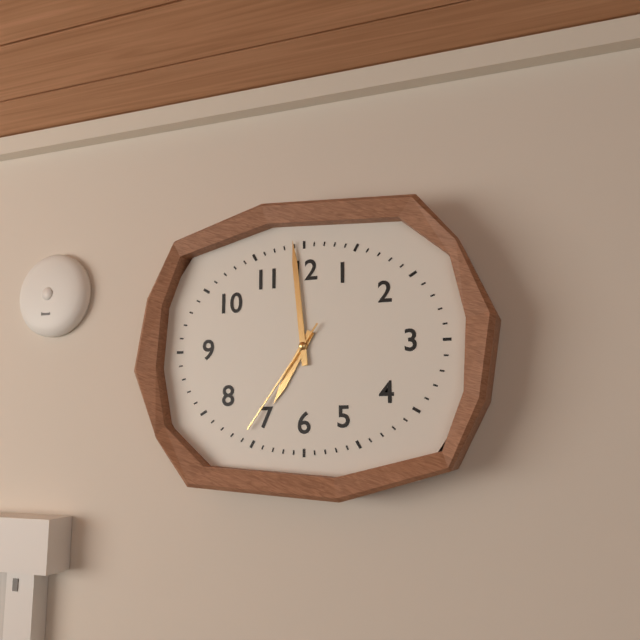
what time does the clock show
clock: 6:59:36
